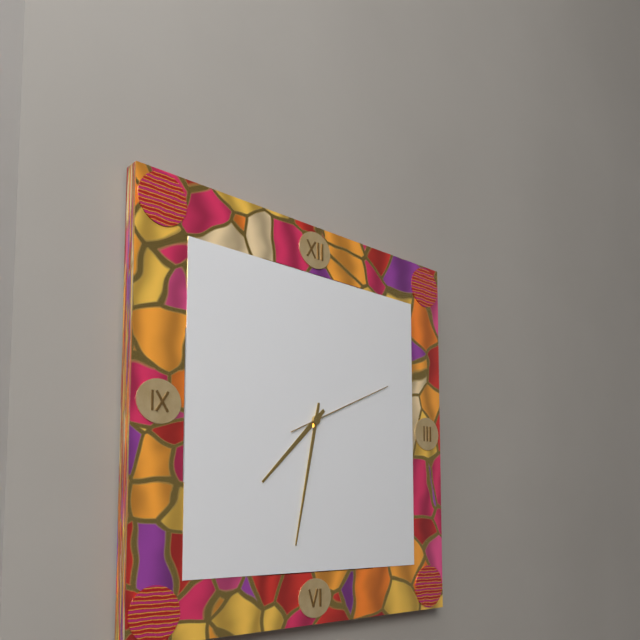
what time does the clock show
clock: 7:32:11
